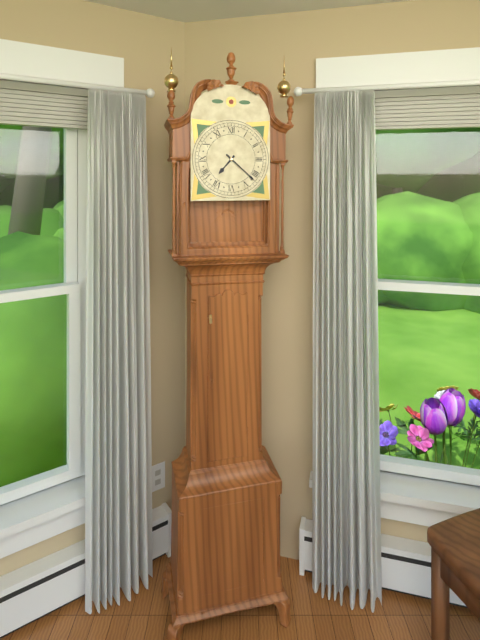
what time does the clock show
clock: 7:22
